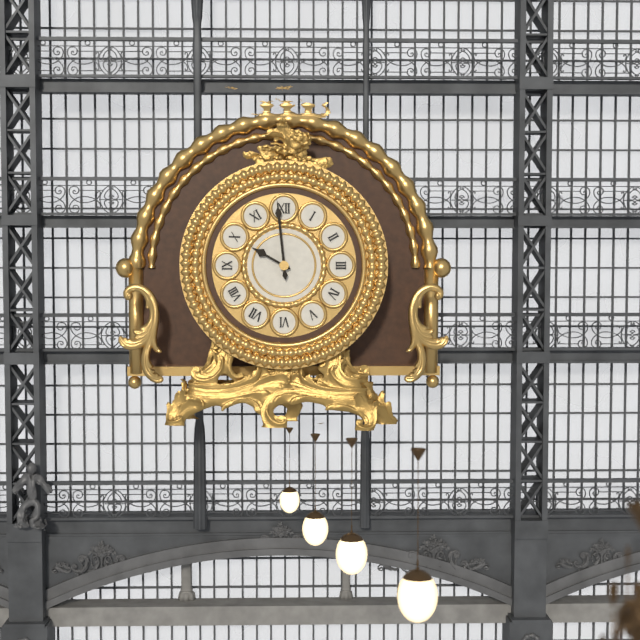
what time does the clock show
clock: 9:59
